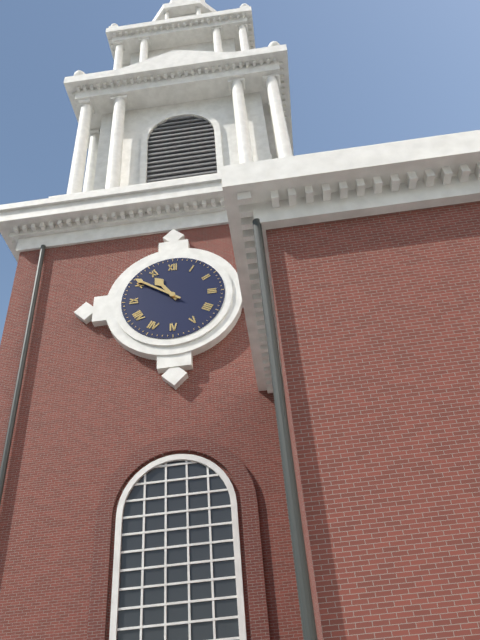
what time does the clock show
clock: 10:51
